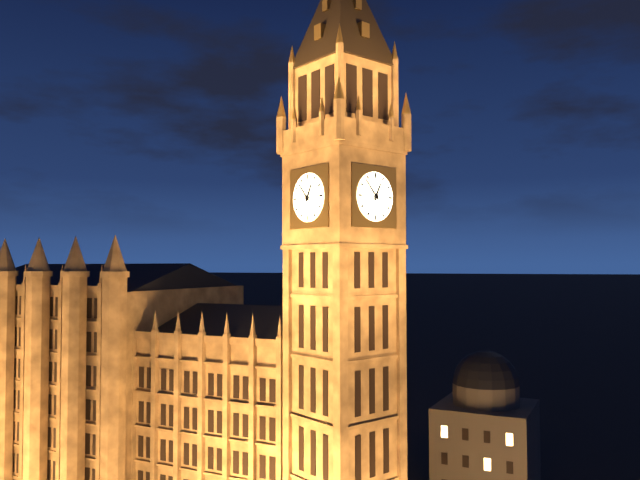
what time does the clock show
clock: 12:53
